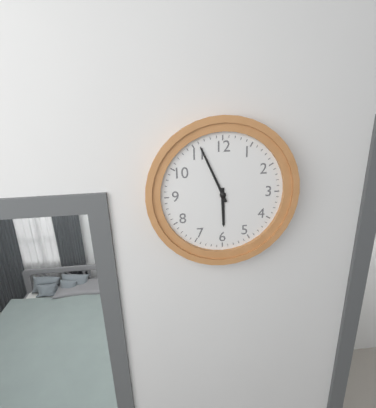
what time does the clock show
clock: 5:56
